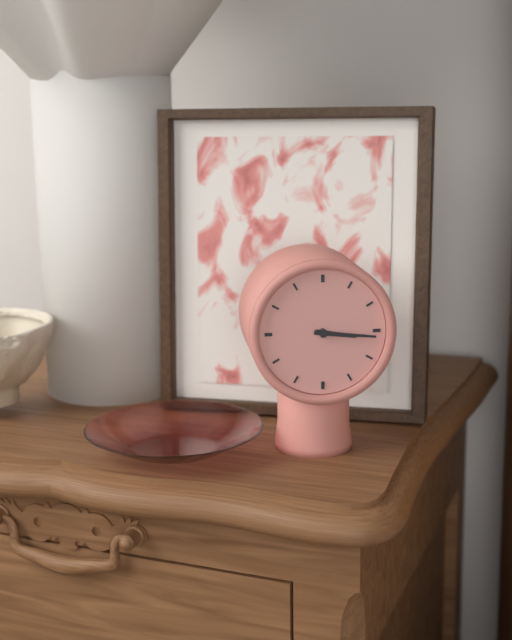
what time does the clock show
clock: 3:16
